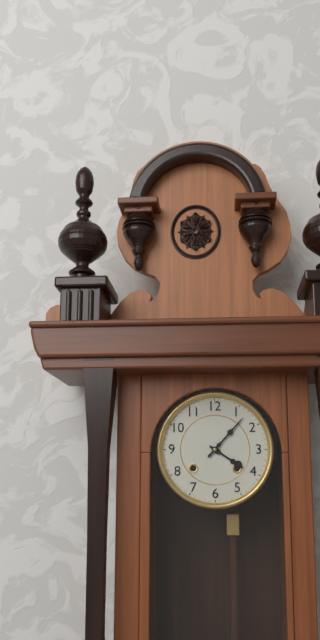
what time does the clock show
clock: 4:07
